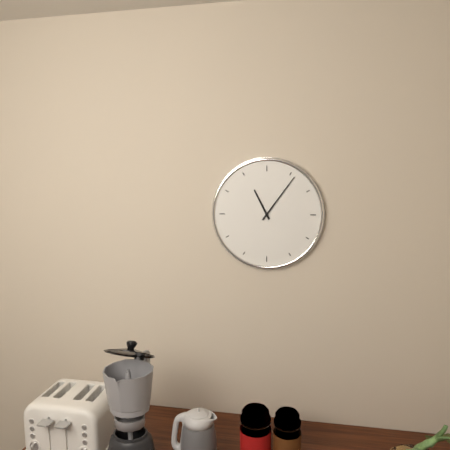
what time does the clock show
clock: 11:06
